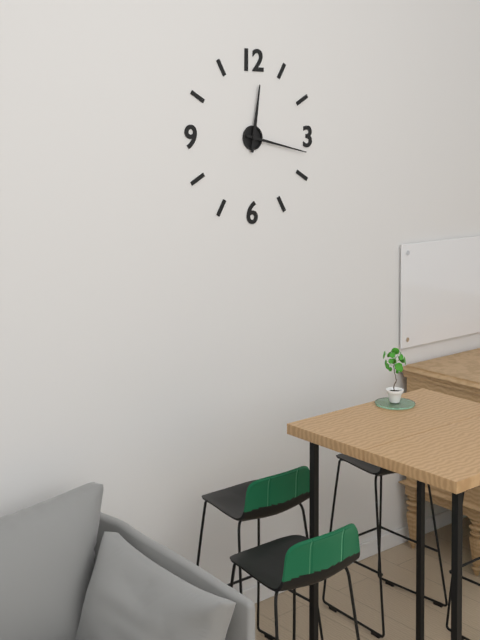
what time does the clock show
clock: 12:17
